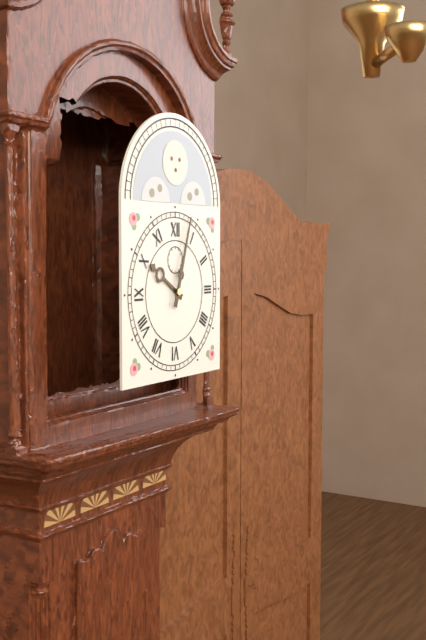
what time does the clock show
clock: 10:03
